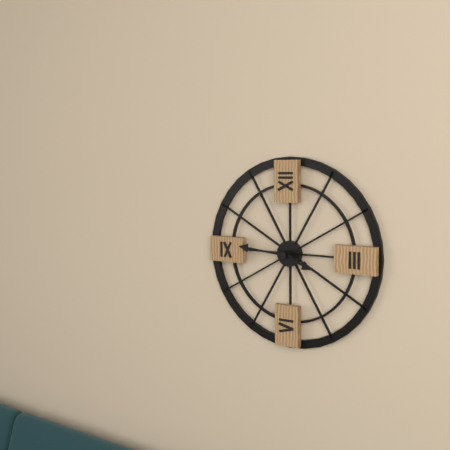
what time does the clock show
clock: 3:46
